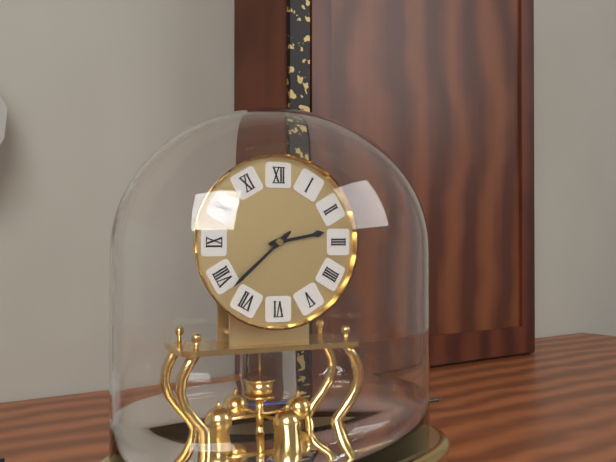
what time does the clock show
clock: 2:38
